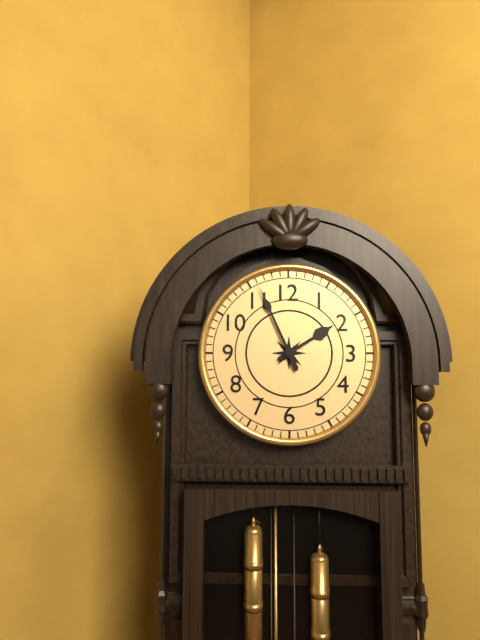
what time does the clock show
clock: 1:56
